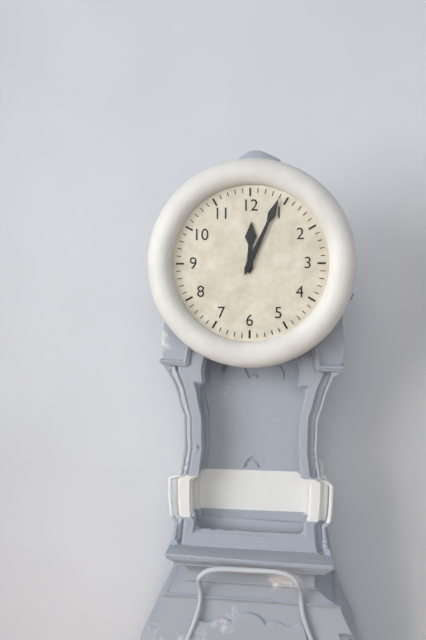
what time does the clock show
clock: 12:04
